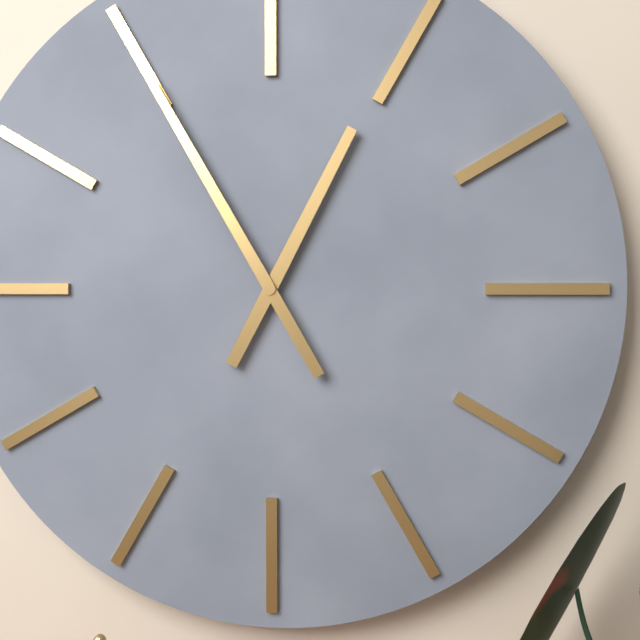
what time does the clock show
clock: 12:55
